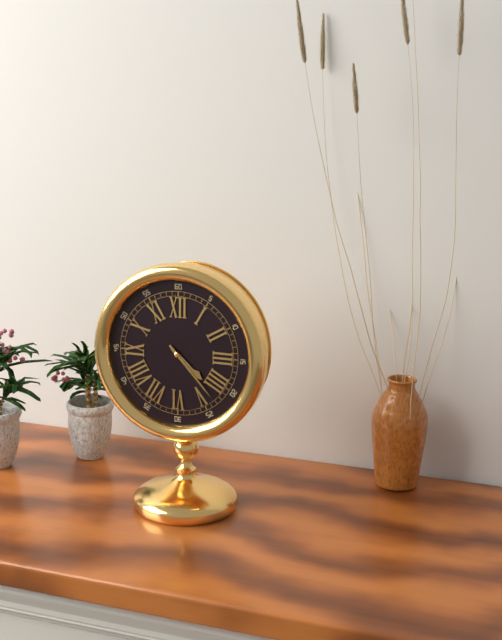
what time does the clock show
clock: 4:23
